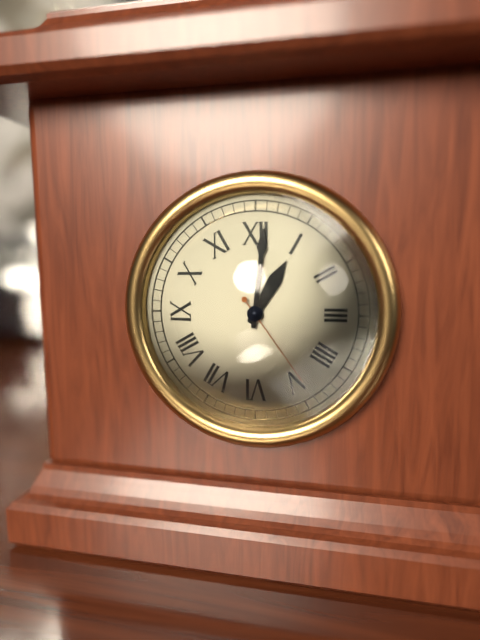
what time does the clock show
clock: 1:01:24
